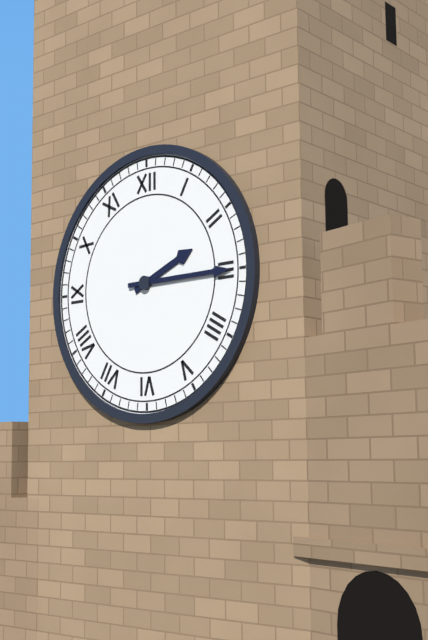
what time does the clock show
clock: 2:15
